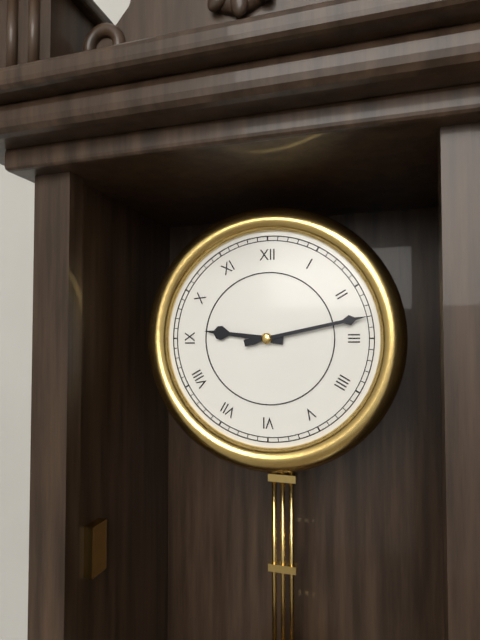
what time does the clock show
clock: 9:13
